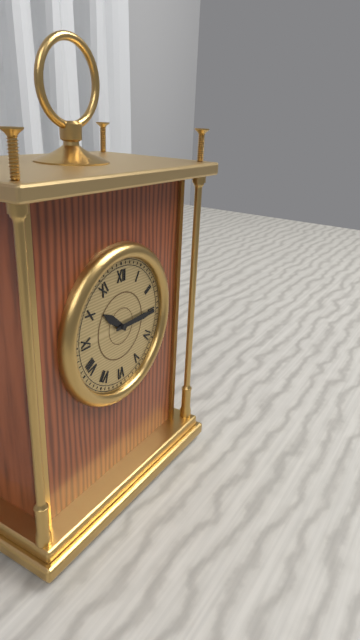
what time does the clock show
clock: 10:15
